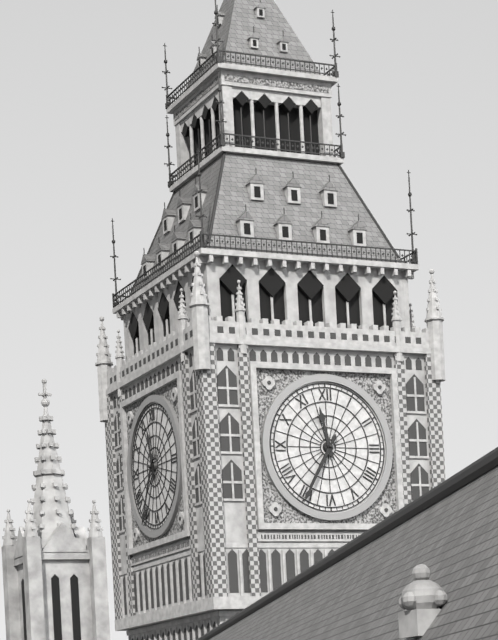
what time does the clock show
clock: 11:35
